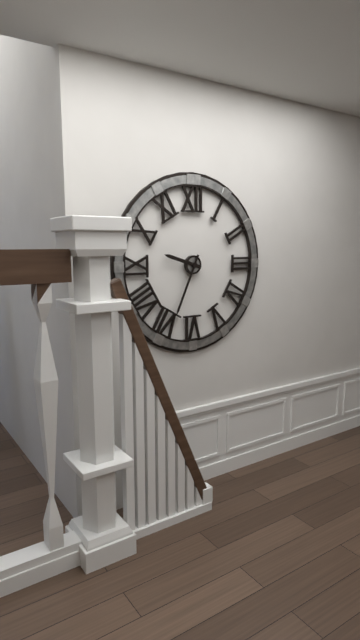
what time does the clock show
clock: 9:34
